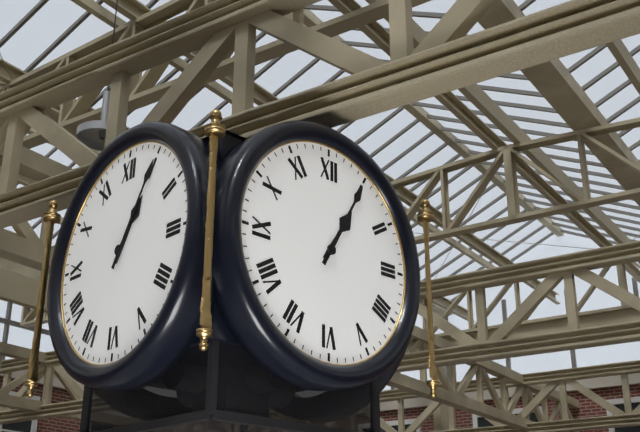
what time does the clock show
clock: 1:05
